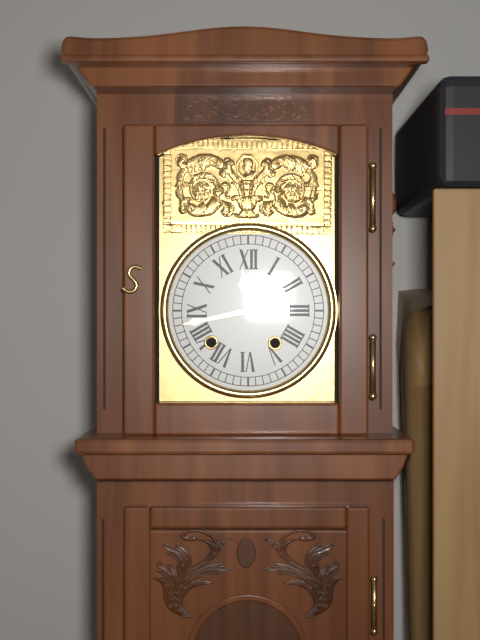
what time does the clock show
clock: 11:43
